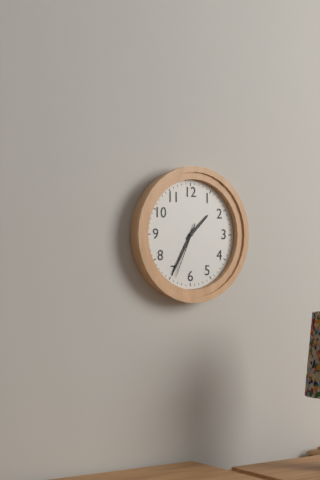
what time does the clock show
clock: 1:35:34
